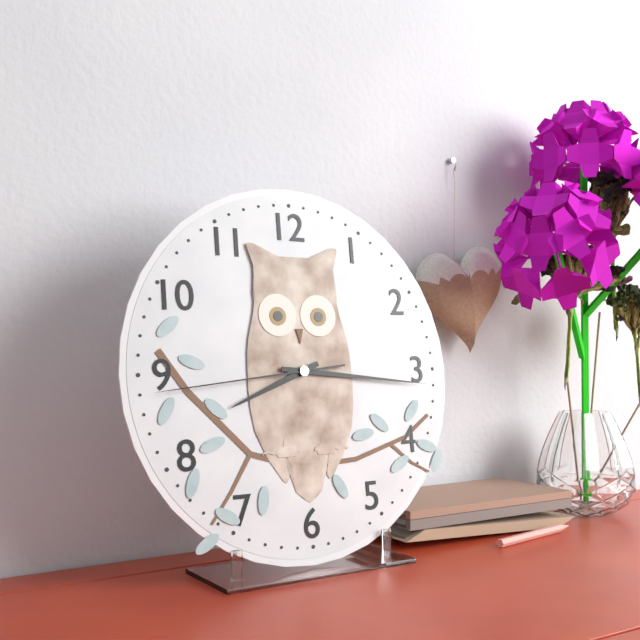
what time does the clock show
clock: 8:16:44
